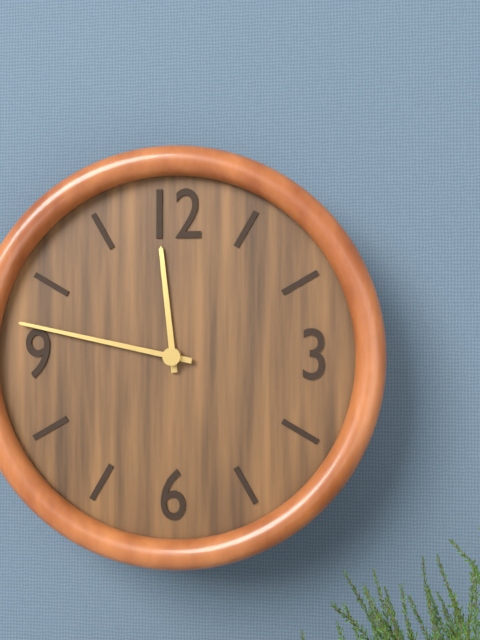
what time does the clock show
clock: 11:47
